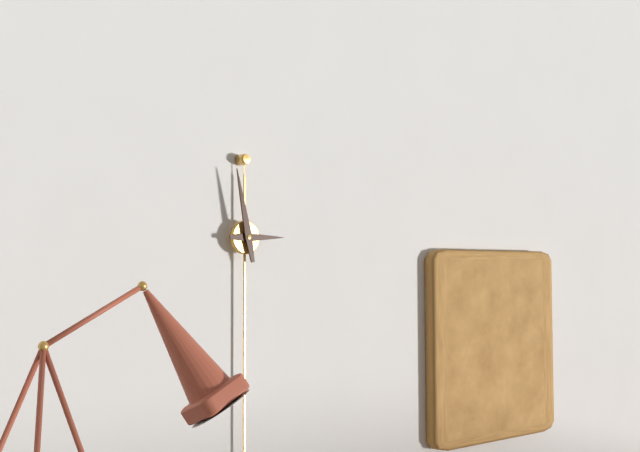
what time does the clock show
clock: 2:58
